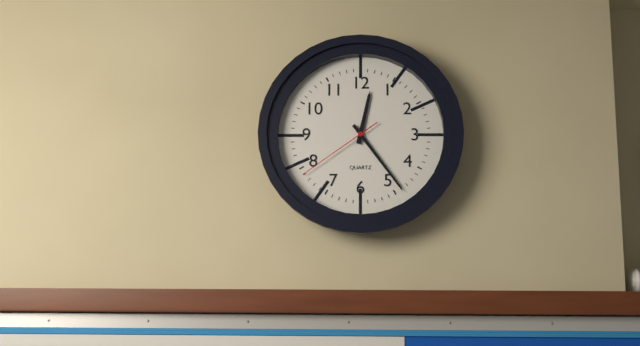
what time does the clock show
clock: 12:24:39
